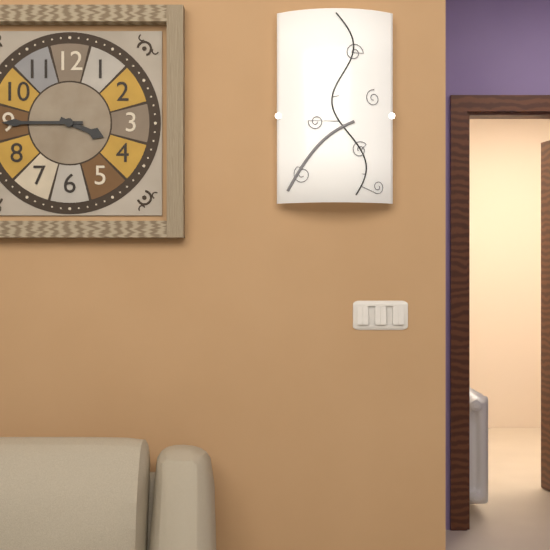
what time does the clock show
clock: 3:45
